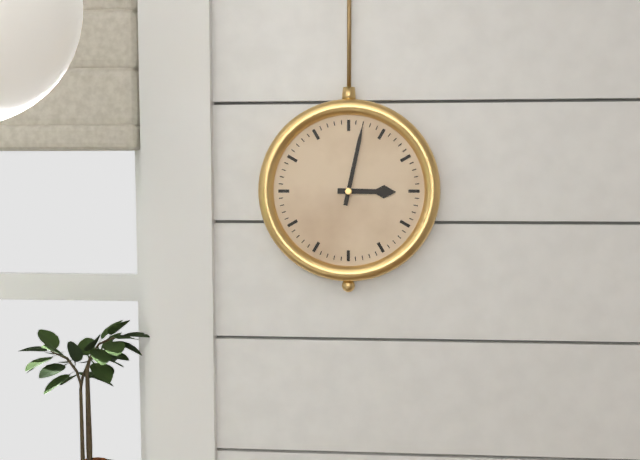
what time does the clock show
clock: 3:02
